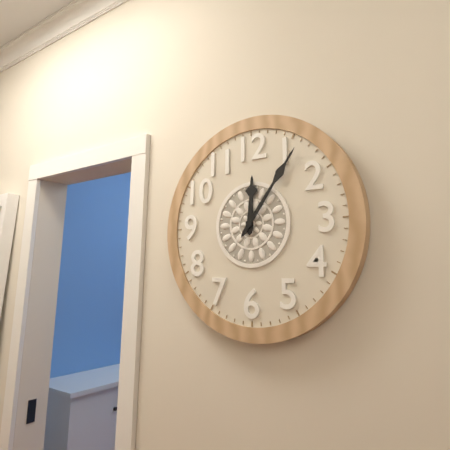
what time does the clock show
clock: 12:06
